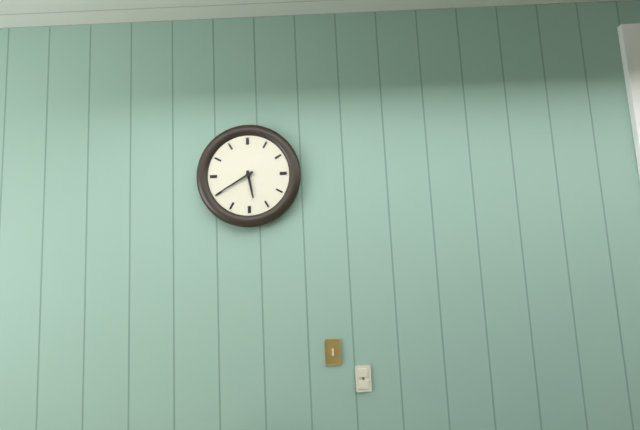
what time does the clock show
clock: 5:40
